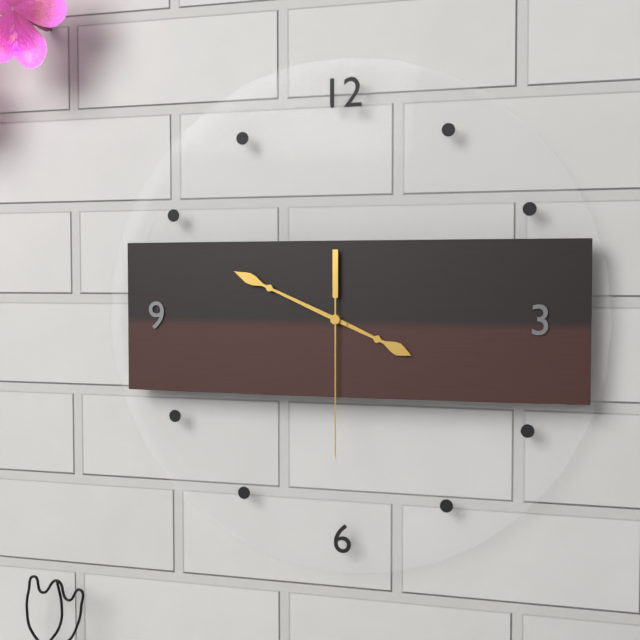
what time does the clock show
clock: 3:49:30
